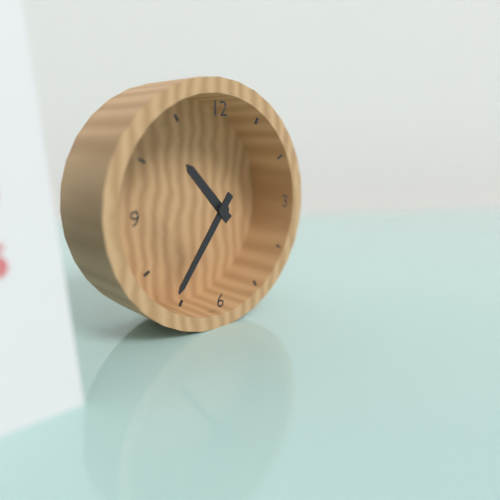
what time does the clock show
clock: 10:36
